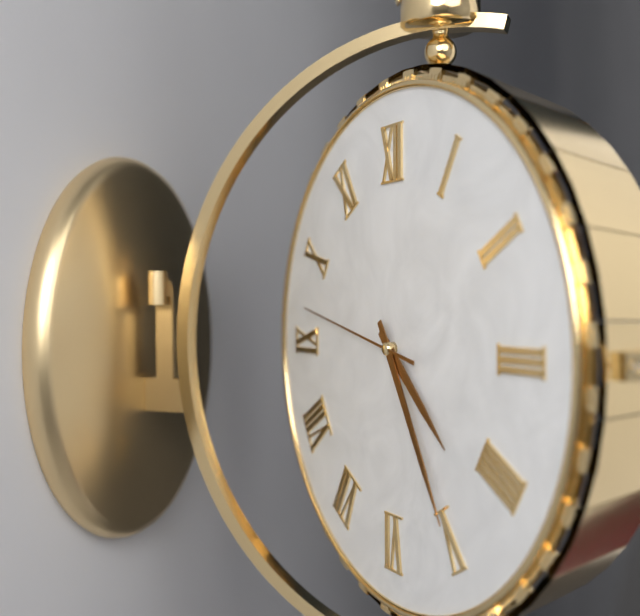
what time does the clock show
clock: 4:25:47
